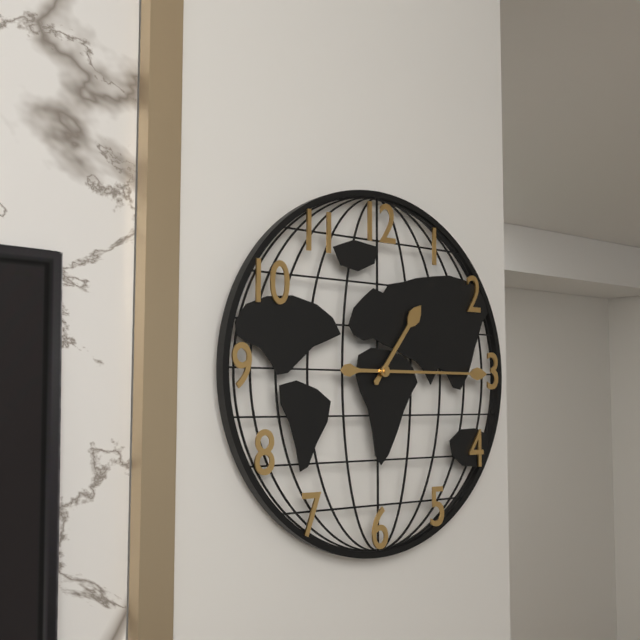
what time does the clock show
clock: 1:15
